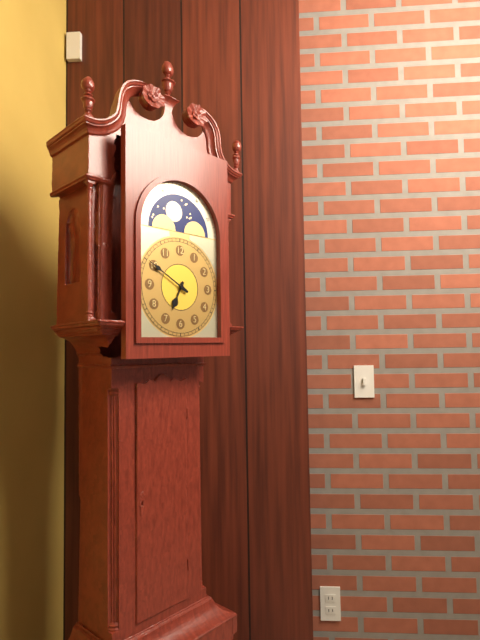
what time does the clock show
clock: 6:50
